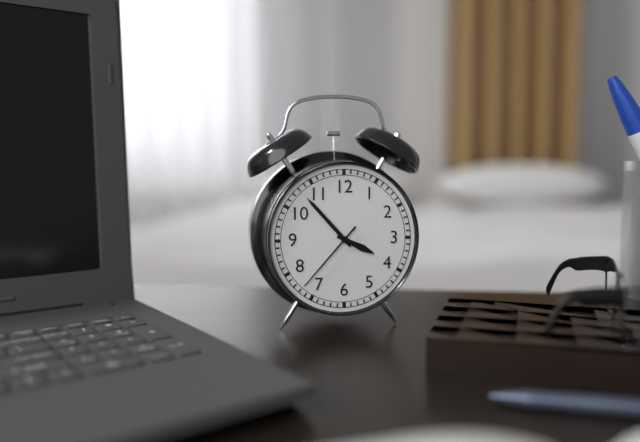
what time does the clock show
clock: 3:53:37
